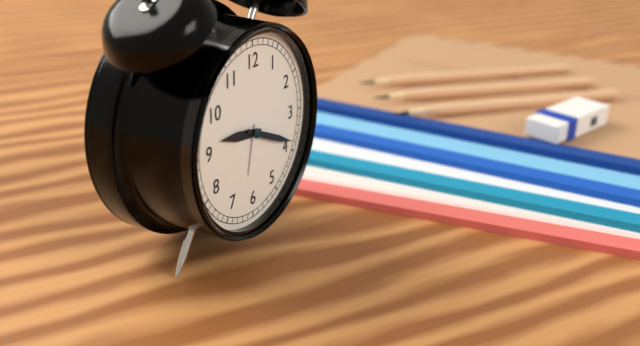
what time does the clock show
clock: 9:19
